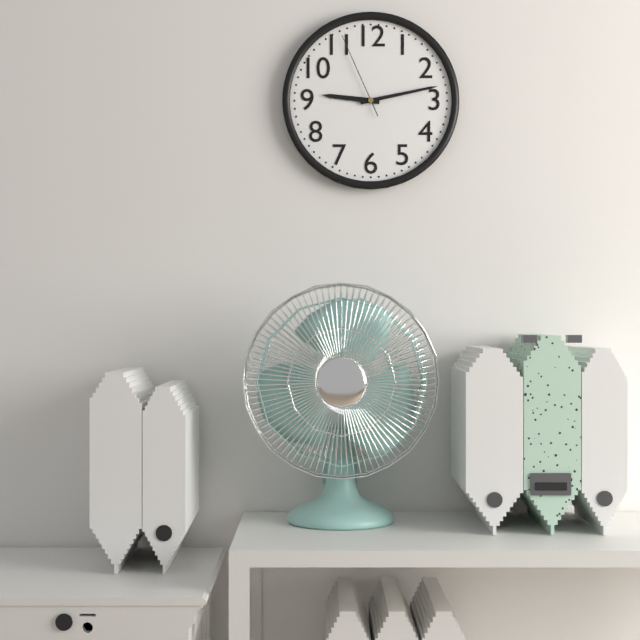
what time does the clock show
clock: 9:13:56
